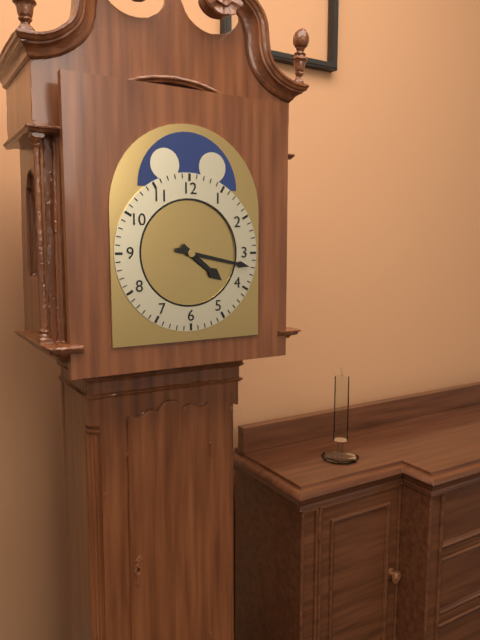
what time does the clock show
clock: 4:17
